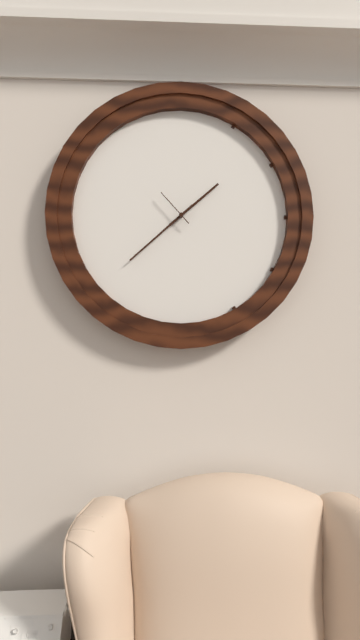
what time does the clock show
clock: 1:38
